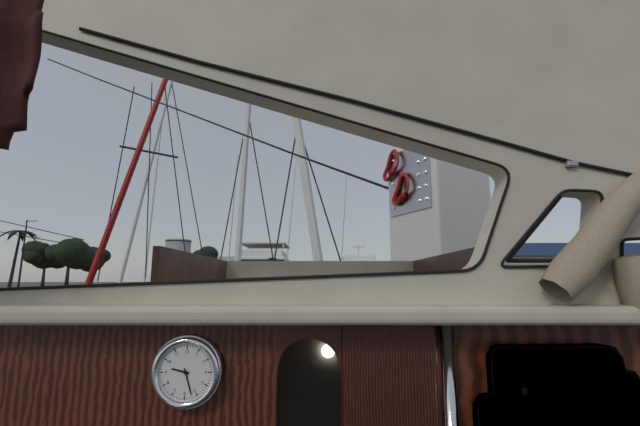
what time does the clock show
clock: 9:27
